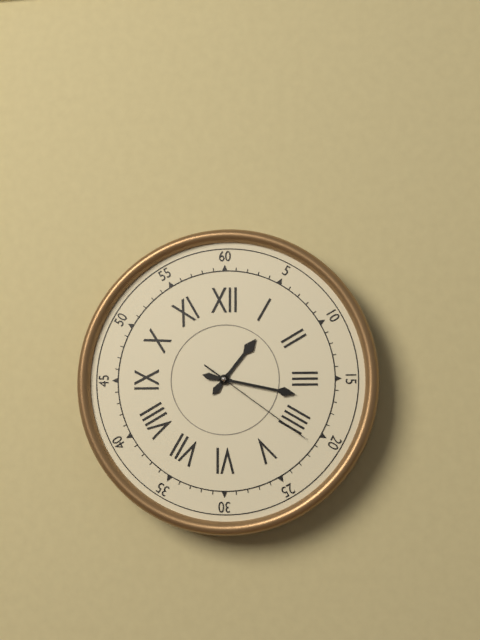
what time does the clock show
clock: 1:17:21
